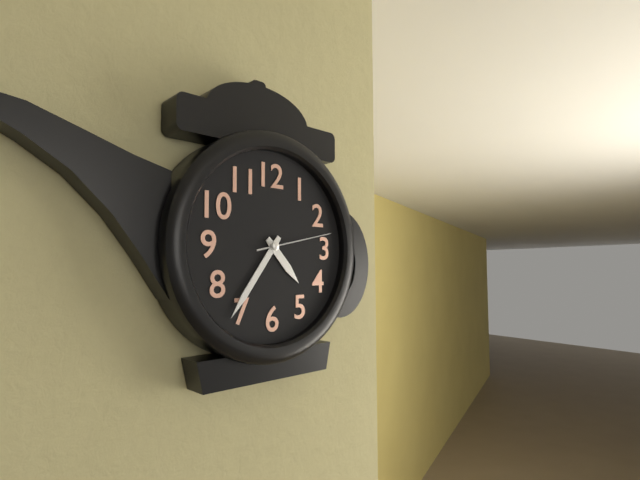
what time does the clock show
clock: 4:36:13
